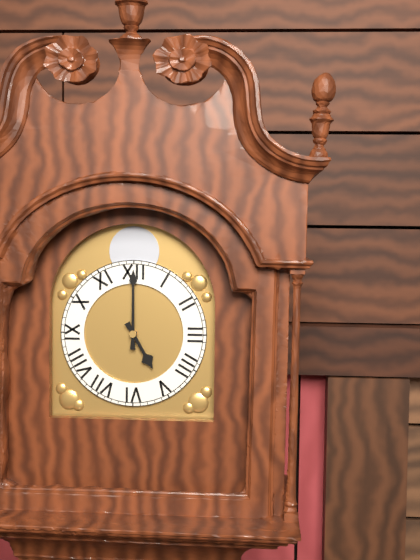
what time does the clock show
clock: 5:00
